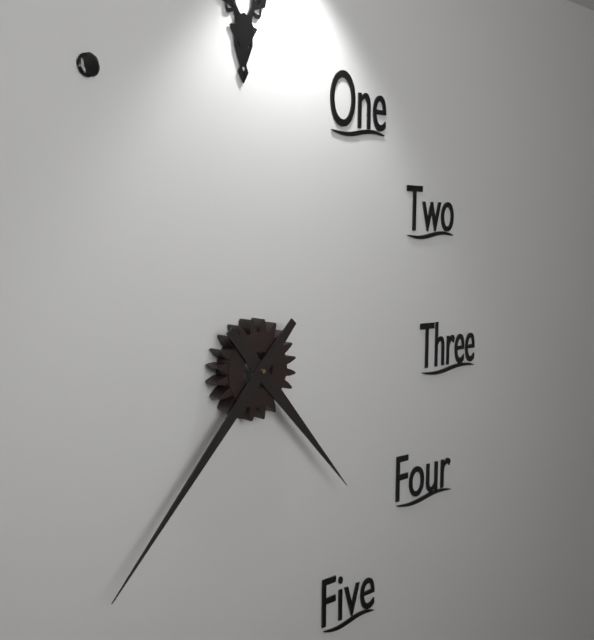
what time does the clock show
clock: 4:37
